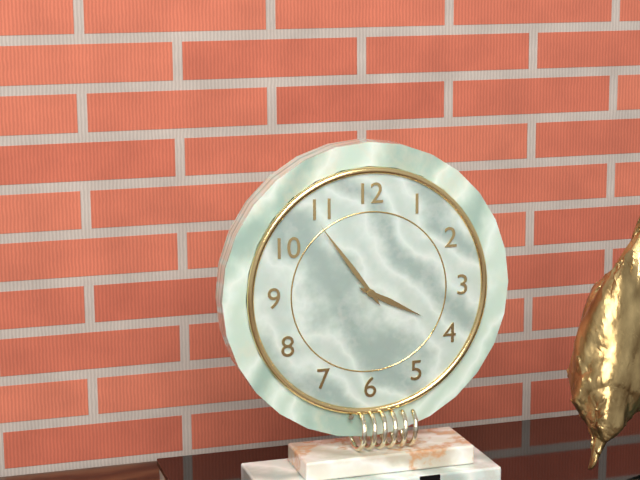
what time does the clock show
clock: 3:54
